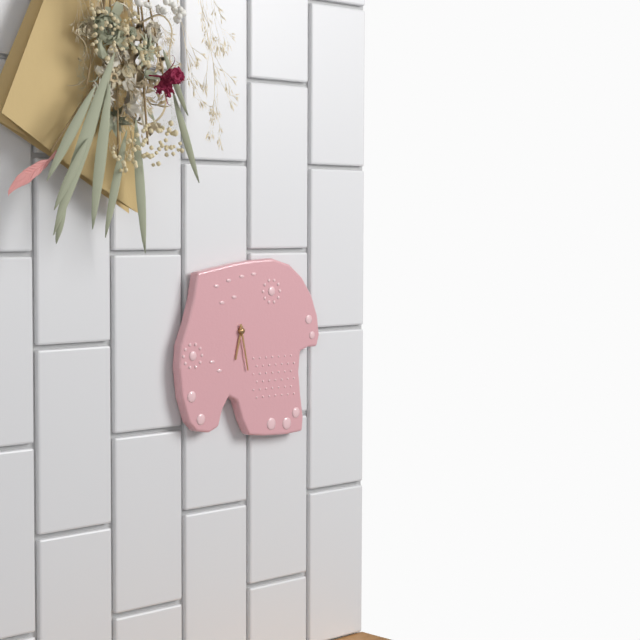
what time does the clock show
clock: 6:28
